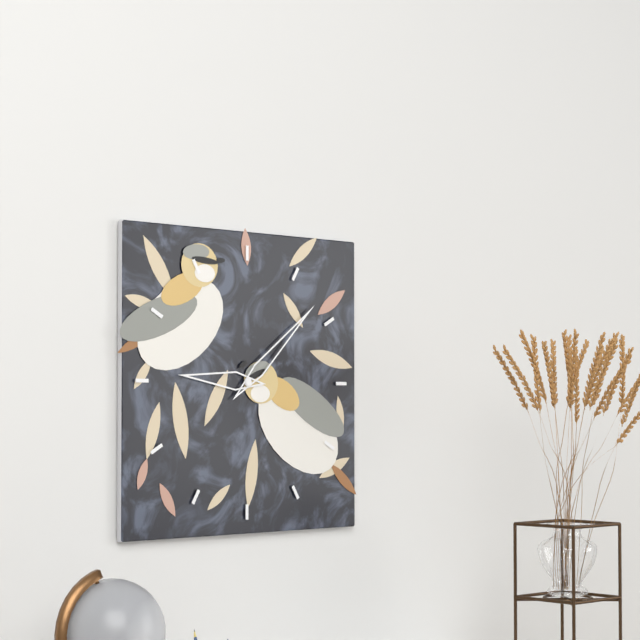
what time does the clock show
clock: 9:08
